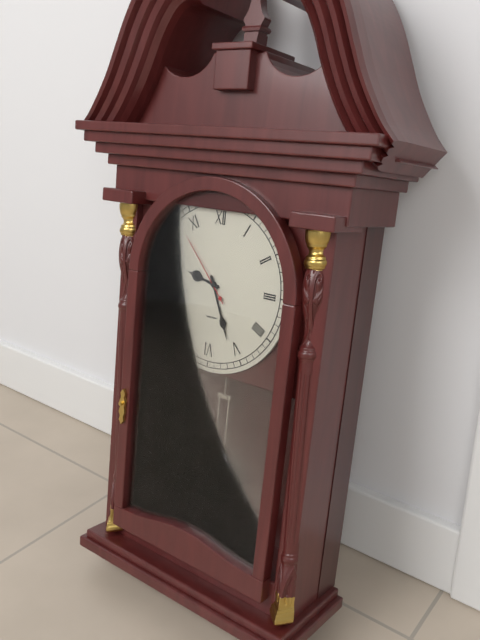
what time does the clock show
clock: 9:26:53
